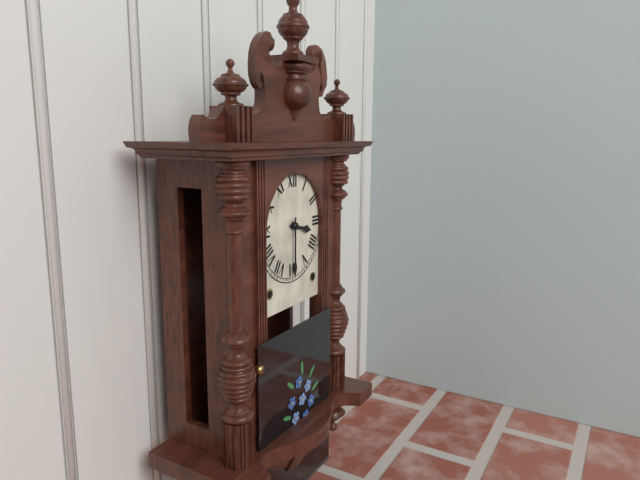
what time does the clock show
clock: 3:30
